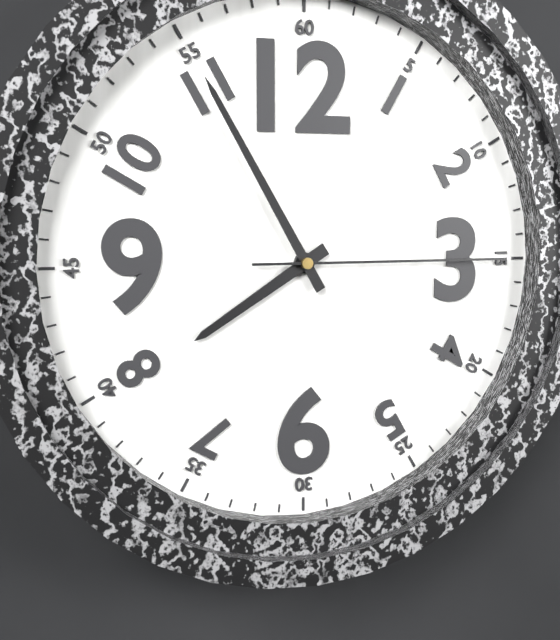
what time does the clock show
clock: 7:55:15
